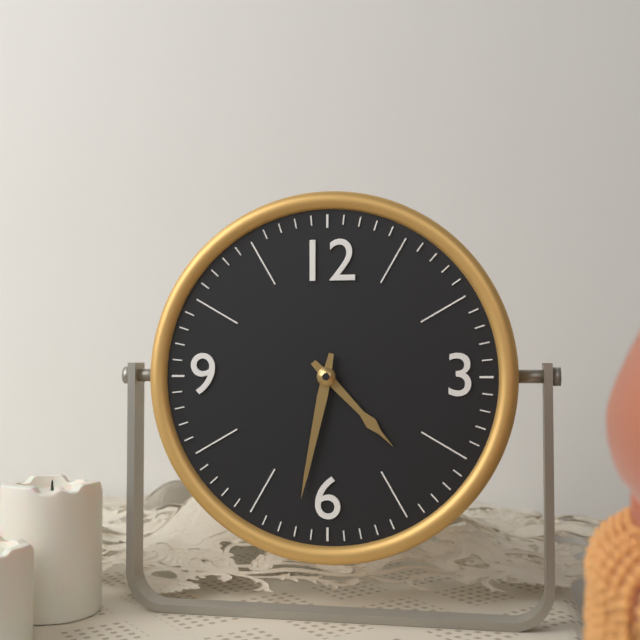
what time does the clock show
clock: 4:32
